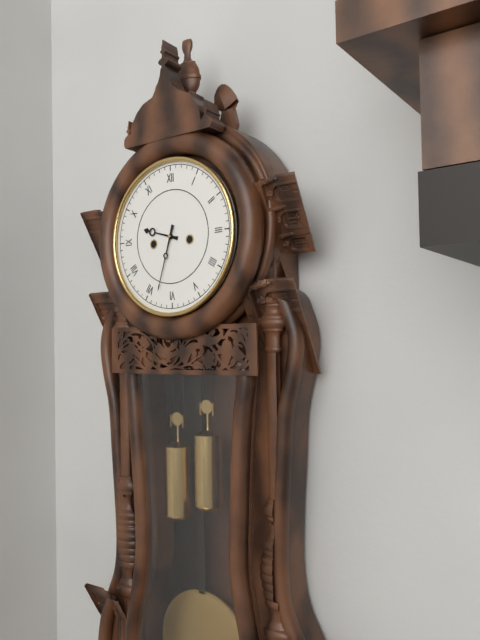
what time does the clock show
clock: 9:33
